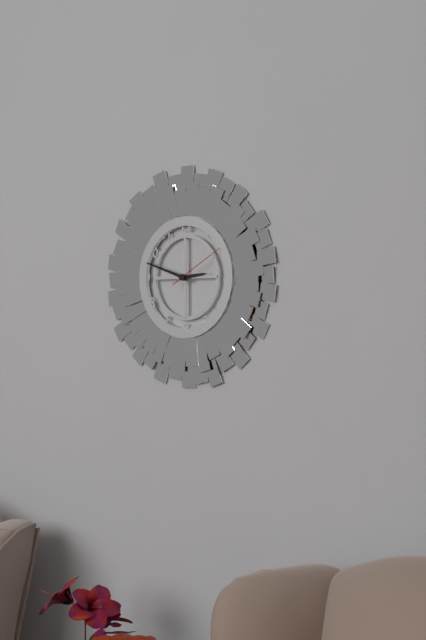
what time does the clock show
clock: 2:48:10
